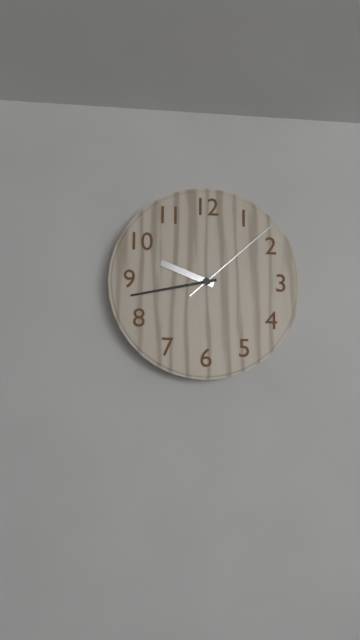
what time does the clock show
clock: 9:43:08
